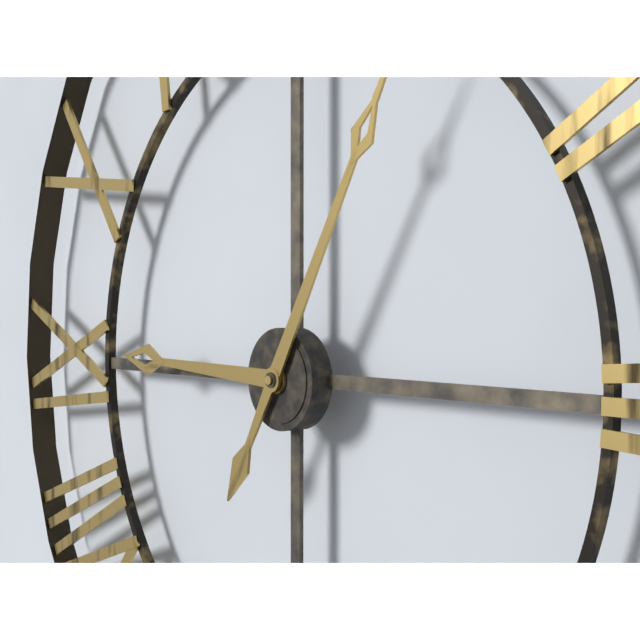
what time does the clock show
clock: 9:05
